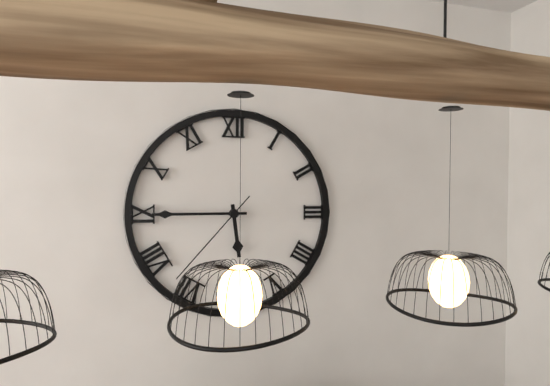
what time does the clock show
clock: 5:45:37
